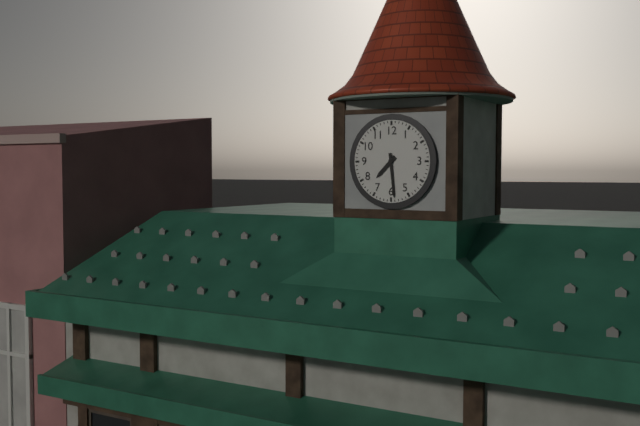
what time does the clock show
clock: 7:29
